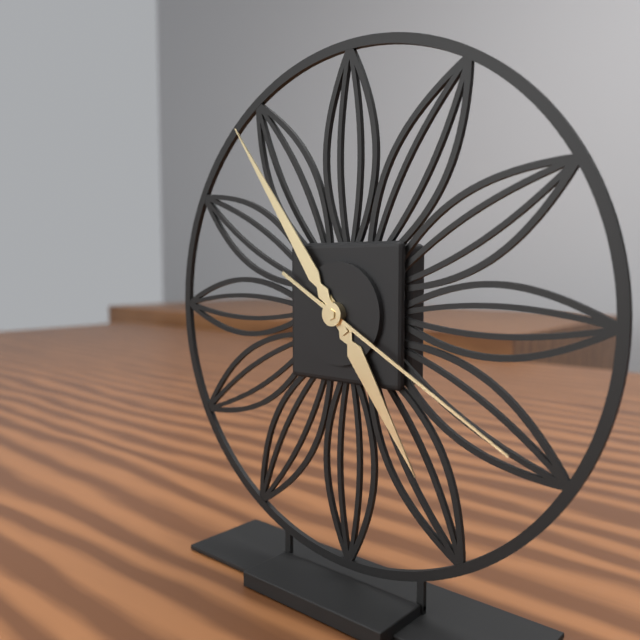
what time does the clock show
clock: 4:54:20
